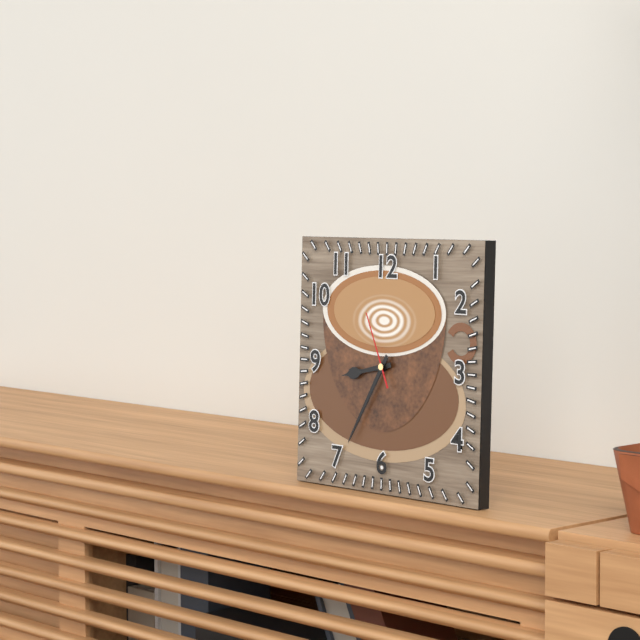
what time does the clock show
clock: 8:35:56
